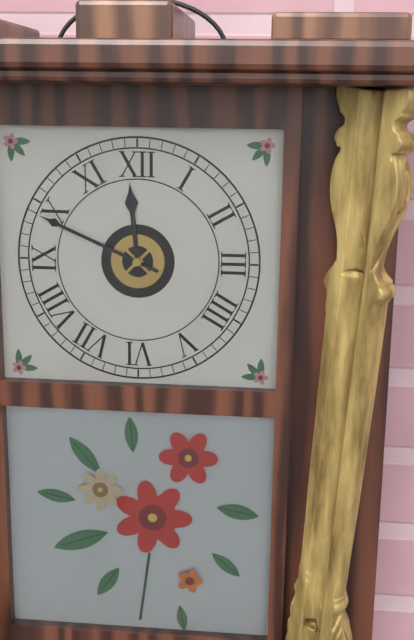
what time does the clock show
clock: 11:49
